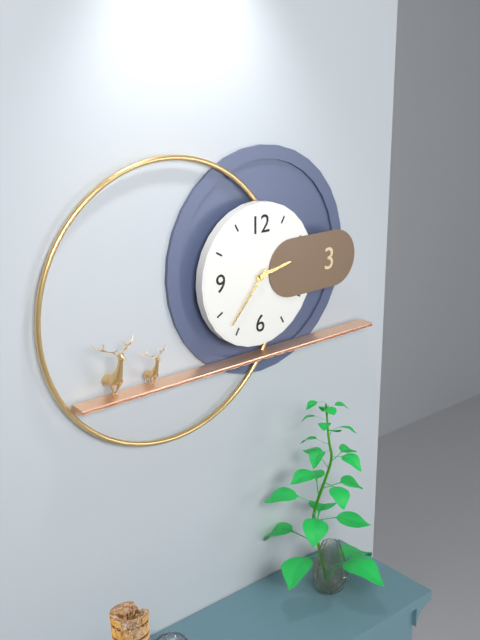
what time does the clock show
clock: 2:37
